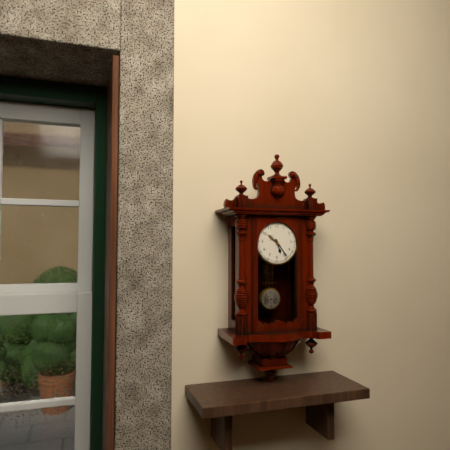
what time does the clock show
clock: 5:24
